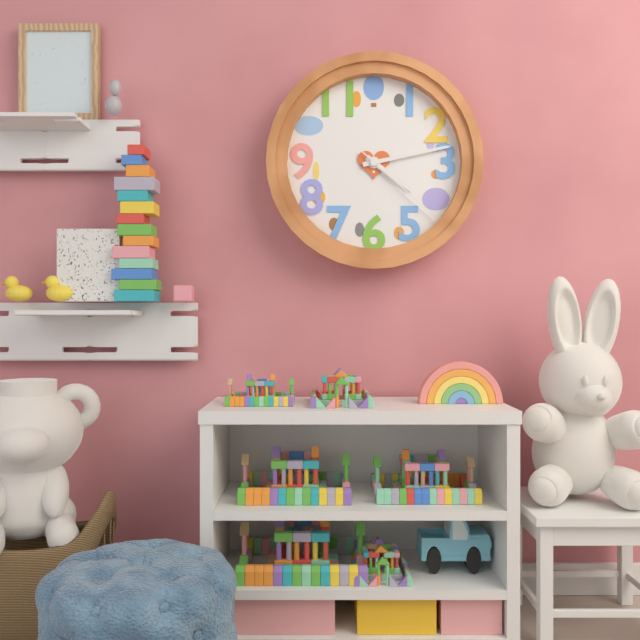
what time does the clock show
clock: 4:13:22
